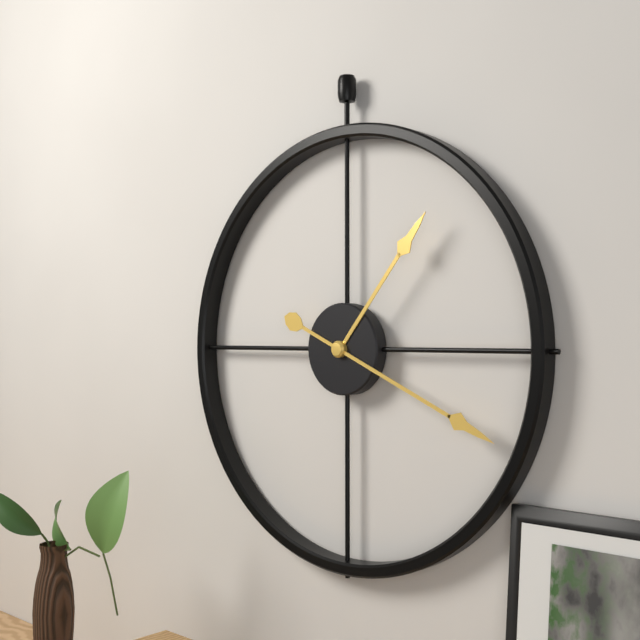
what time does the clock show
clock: 1:19
